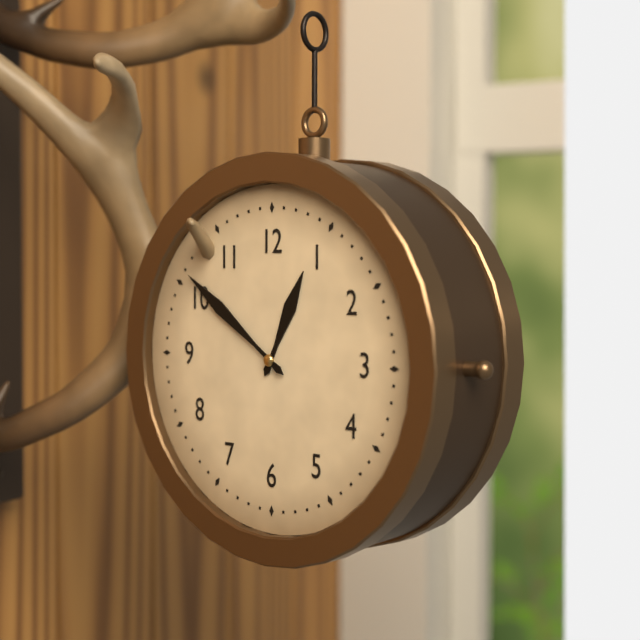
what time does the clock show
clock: 12:51
